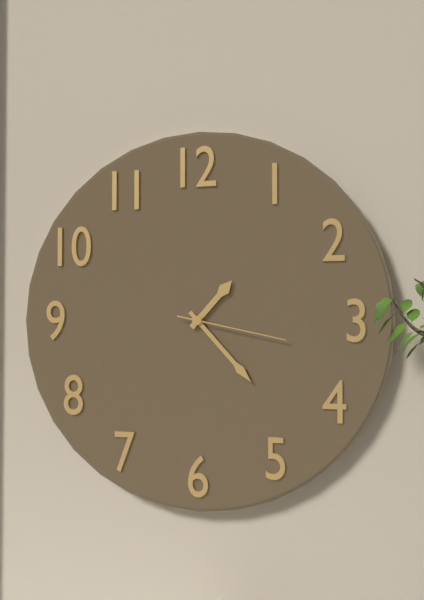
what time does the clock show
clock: 1:23:17
